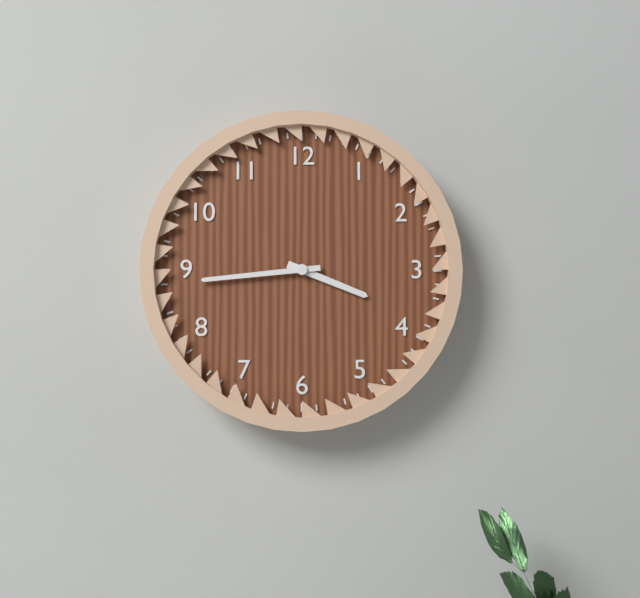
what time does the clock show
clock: 3:44
